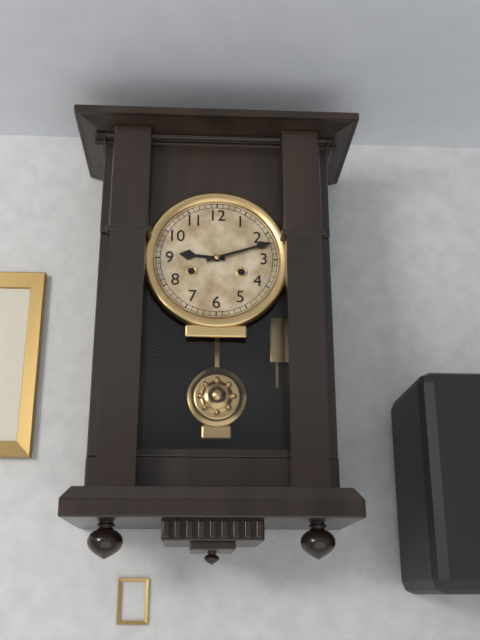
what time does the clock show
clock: 9:12
